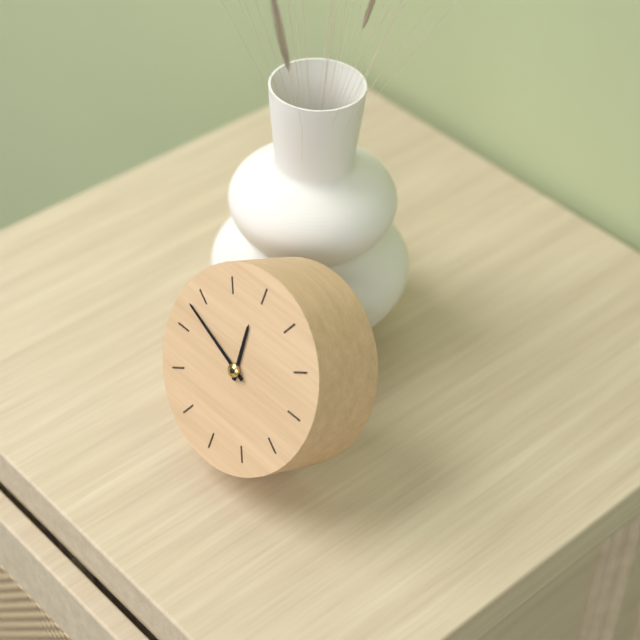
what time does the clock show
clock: 11:48
